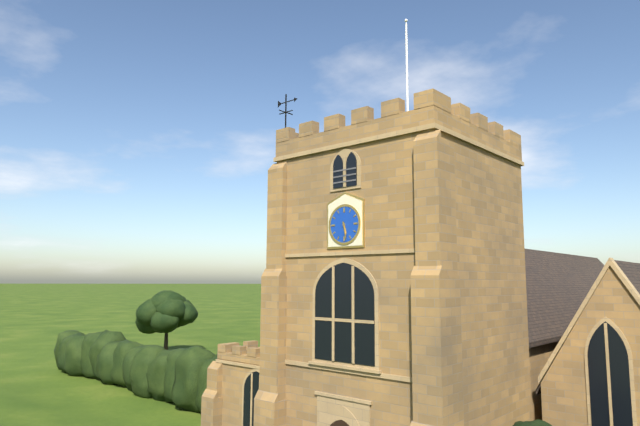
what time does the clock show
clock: 5:28
